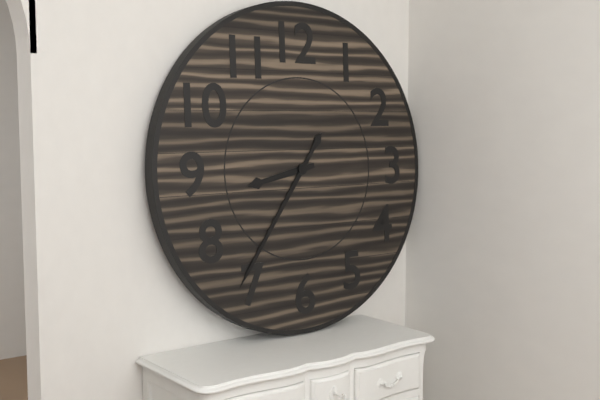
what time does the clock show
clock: 8:36
